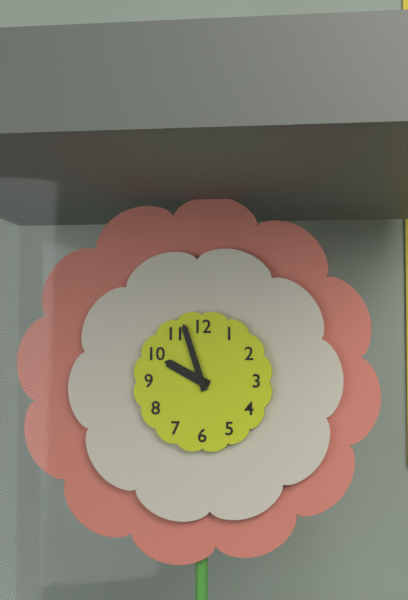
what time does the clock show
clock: 9:57
